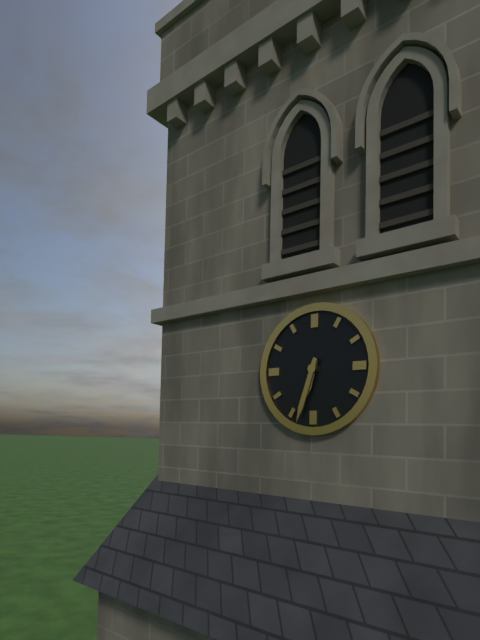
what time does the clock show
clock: 6:33
